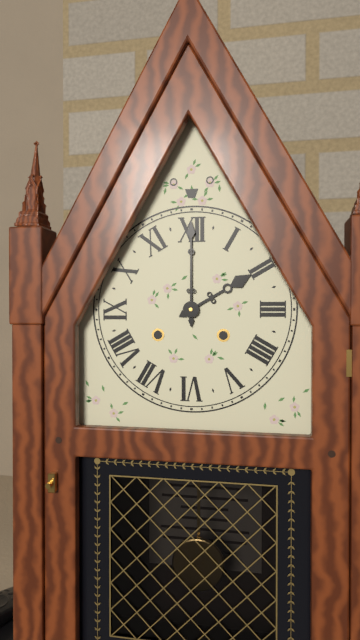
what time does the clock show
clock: 2:00
